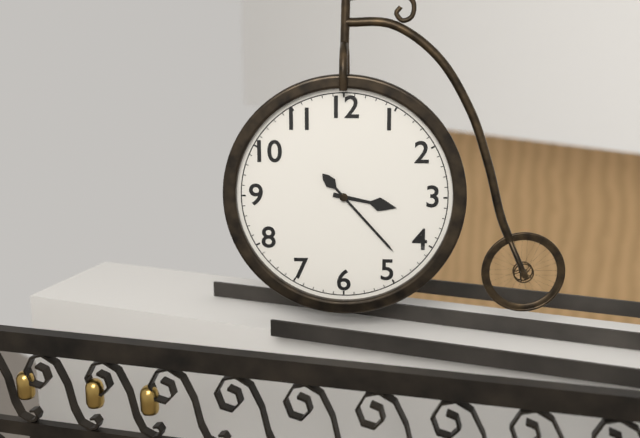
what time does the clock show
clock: 3:23
